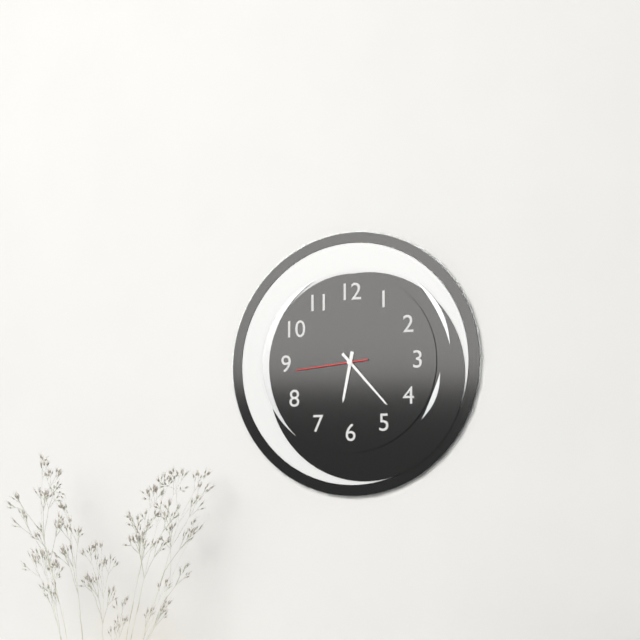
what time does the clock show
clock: 6:23:44
